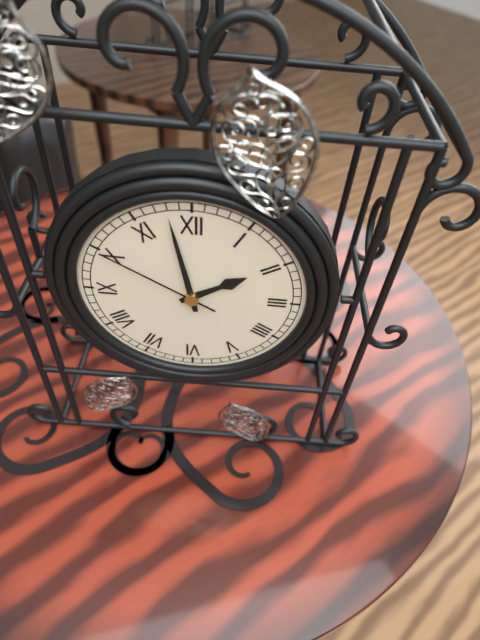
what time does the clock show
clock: 1:58:50
